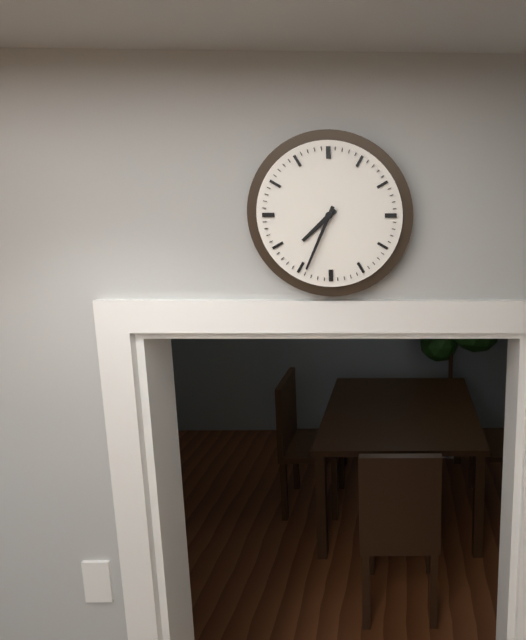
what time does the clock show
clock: 7:34
